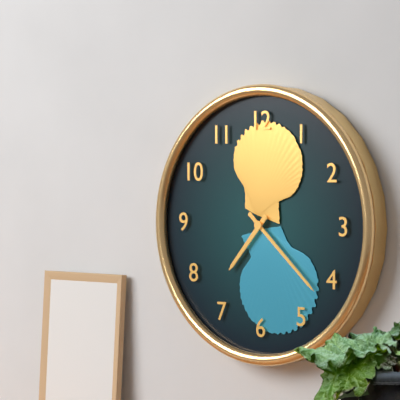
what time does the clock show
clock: 7:22
